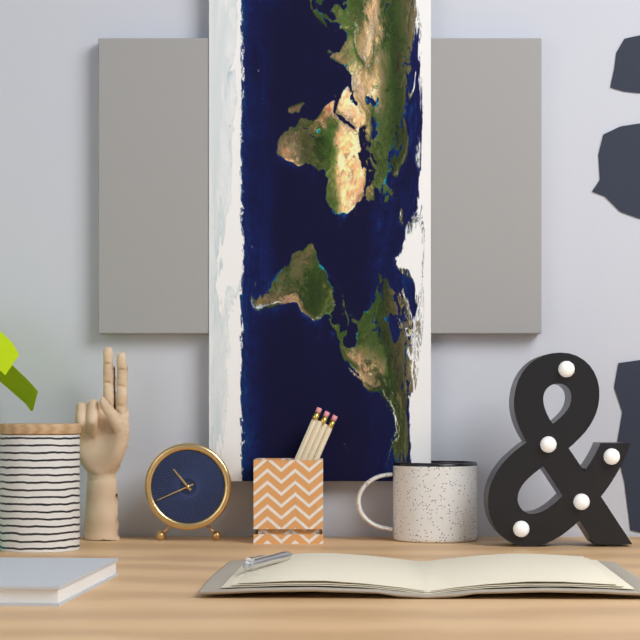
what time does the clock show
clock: 10:41
